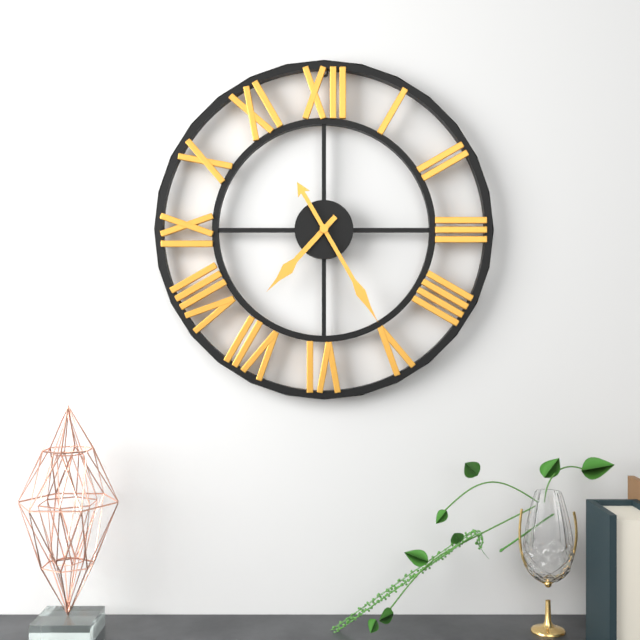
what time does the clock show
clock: 7:25
